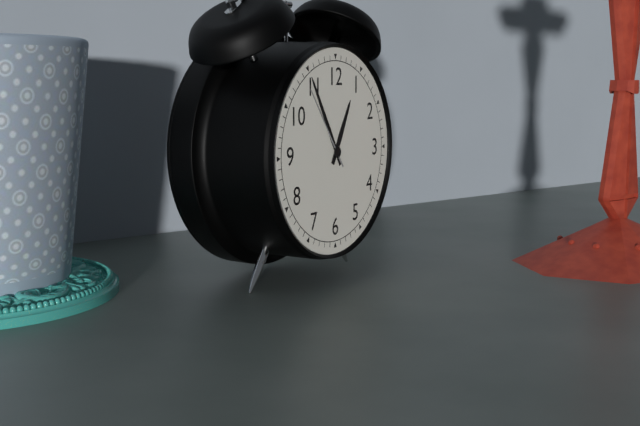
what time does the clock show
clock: 12:55:54
